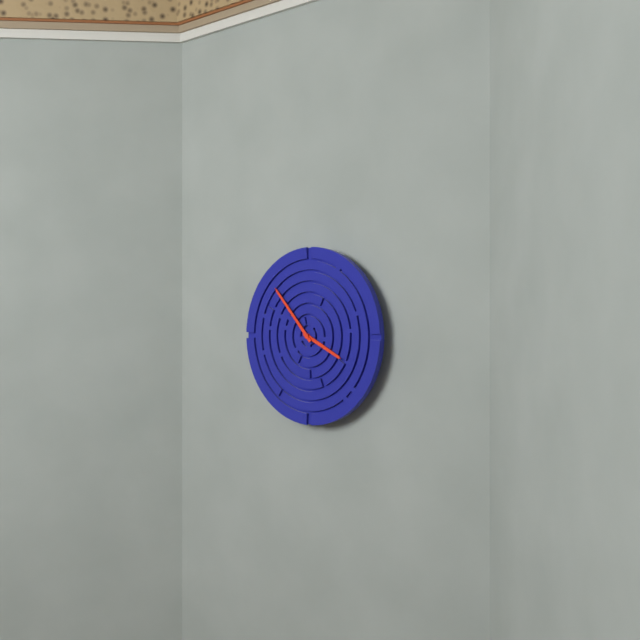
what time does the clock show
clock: 3:53
